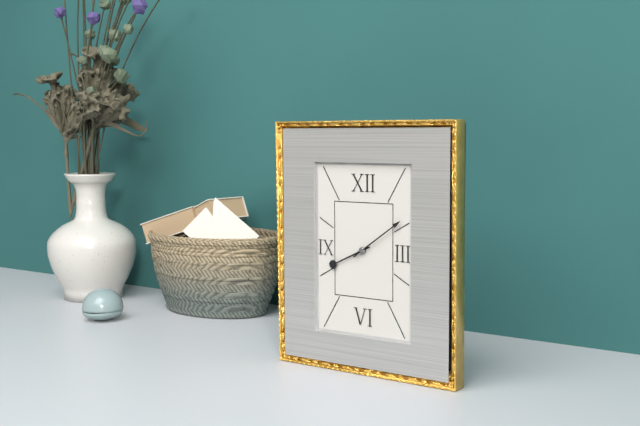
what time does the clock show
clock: 8:09
